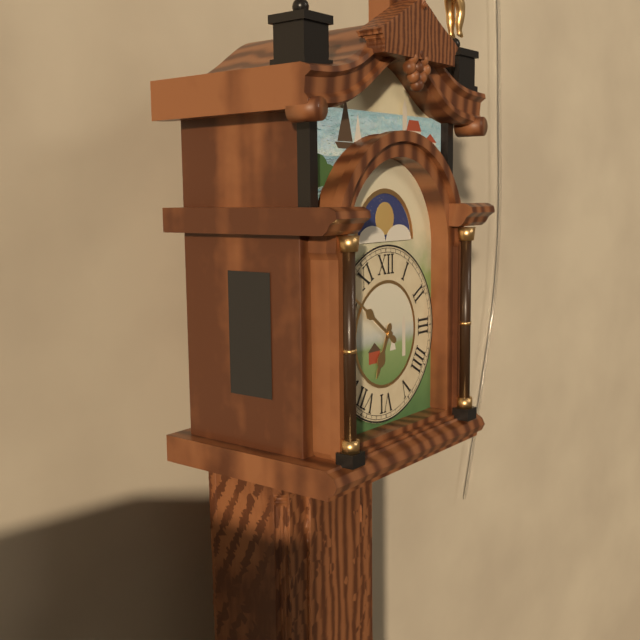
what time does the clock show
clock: 6:51
